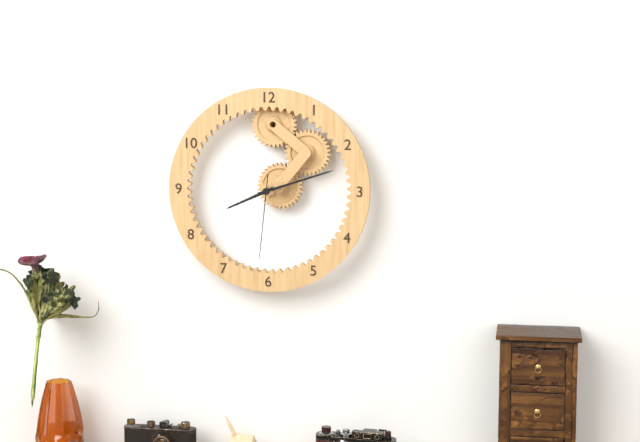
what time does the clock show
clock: 8:12:31
